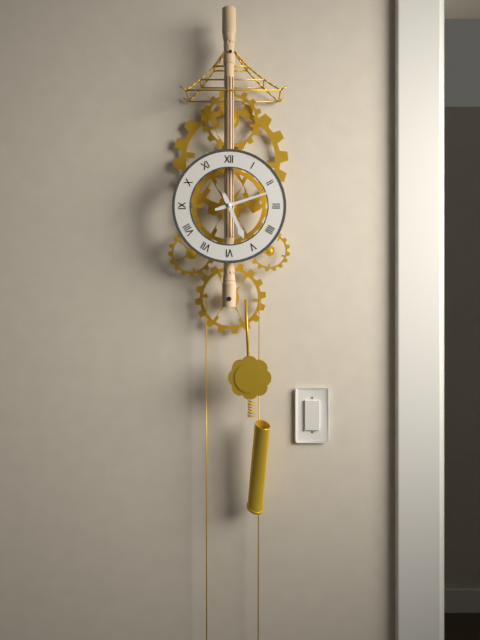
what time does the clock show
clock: 5:12
